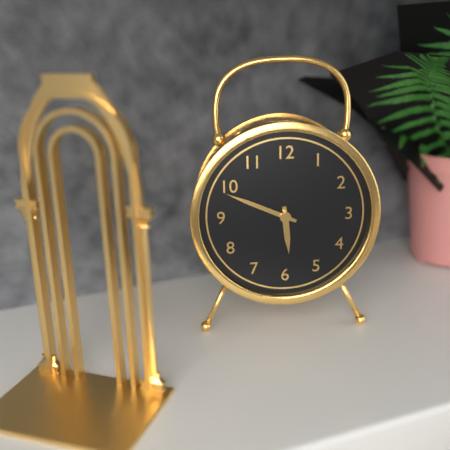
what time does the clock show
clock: 5:49
